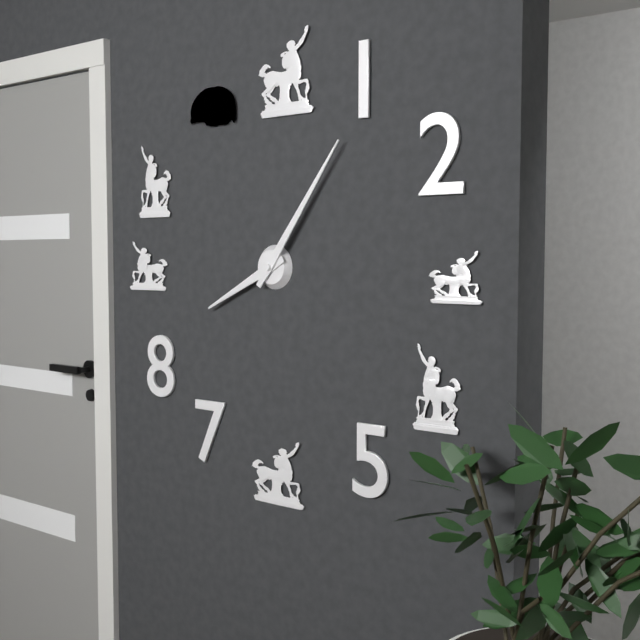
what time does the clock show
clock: 8:06
